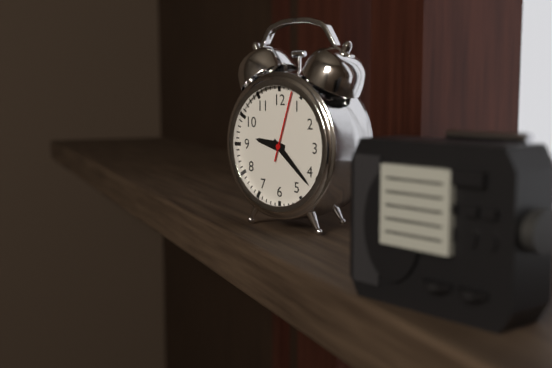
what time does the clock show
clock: 9:22:03
